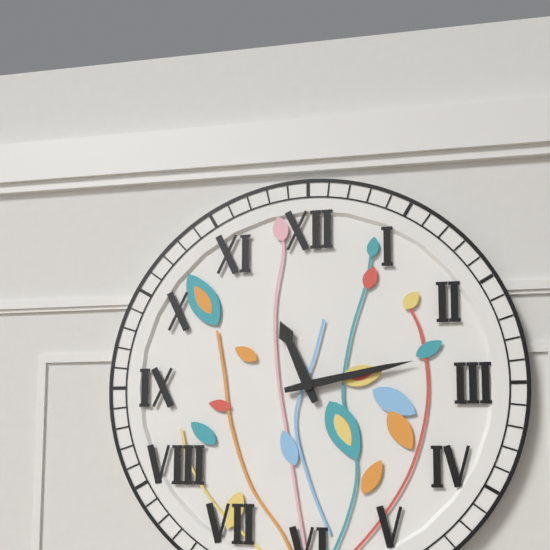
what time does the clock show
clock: 11:13
